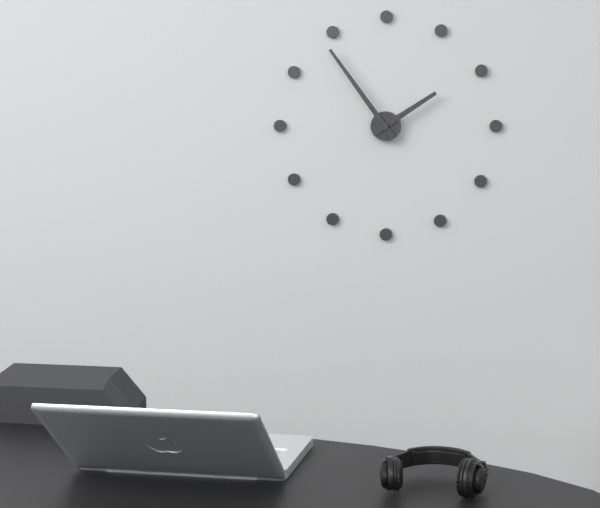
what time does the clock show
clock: 1:54
